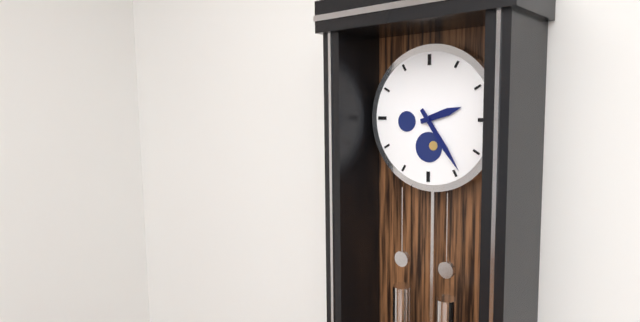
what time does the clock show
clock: 2:24
